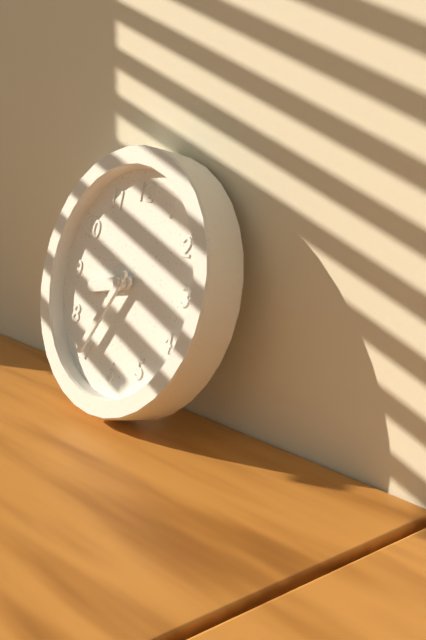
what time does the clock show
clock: 8:35
